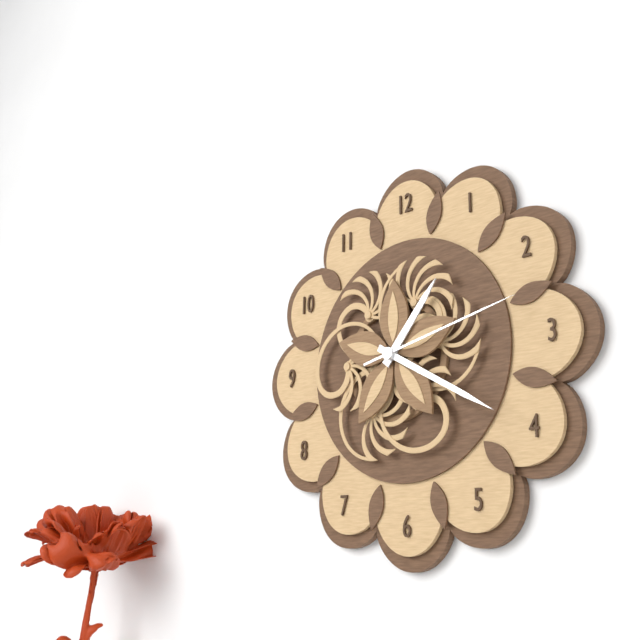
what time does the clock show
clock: 1:20:13
